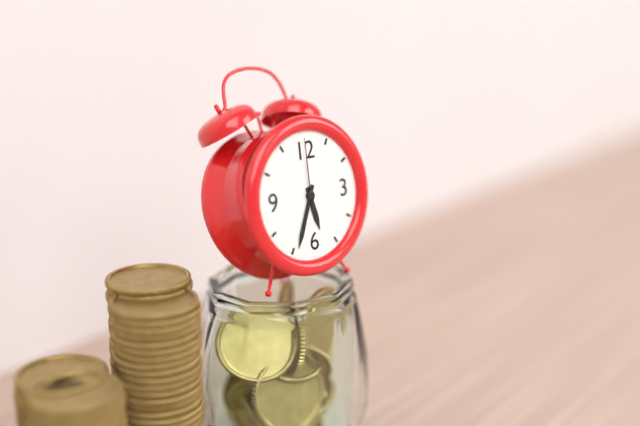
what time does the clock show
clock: 5:34:00
